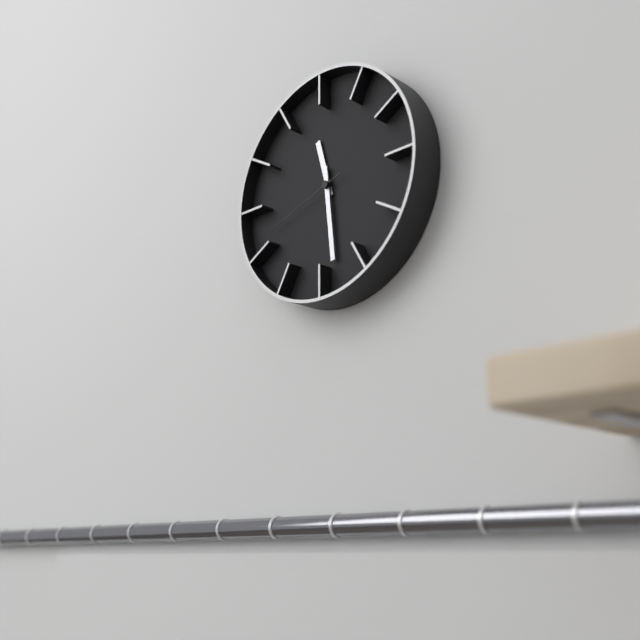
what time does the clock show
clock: 11:29:42
